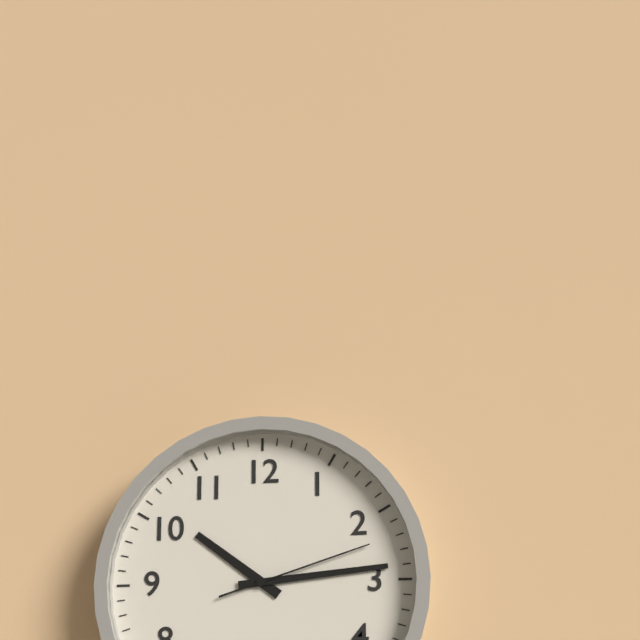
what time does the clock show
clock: 10:14:12
